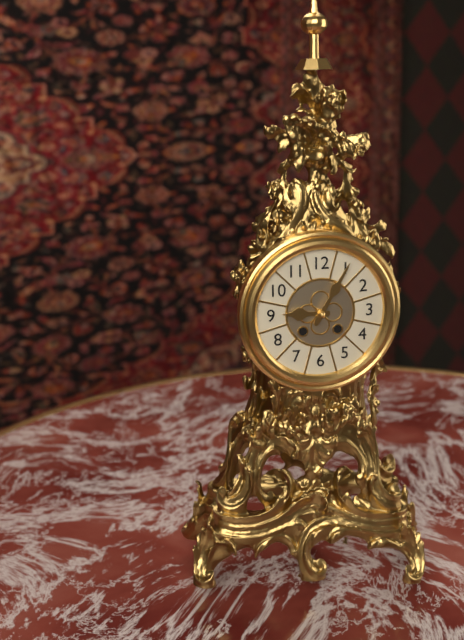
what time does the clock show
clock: 9:05
